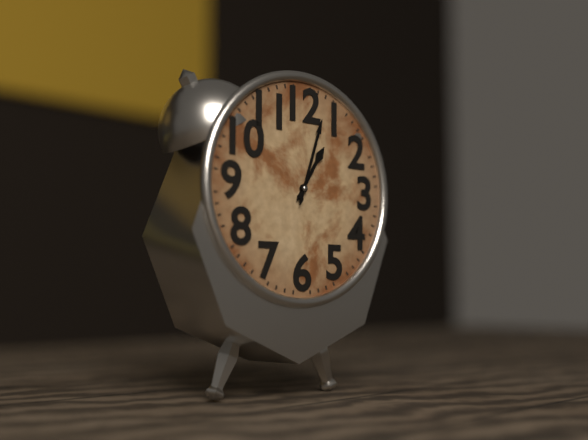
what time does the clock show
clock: 1:03
